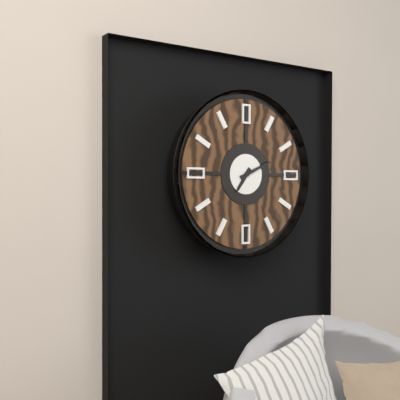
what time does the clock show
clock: 7:11
